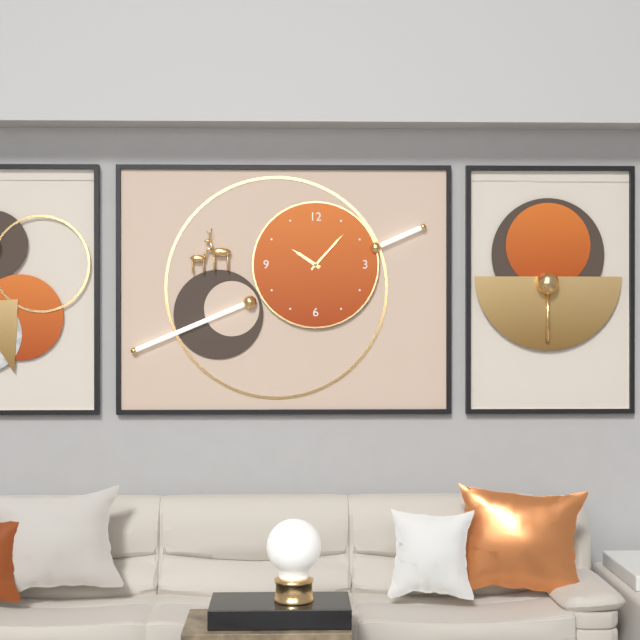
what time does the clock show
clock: 10:07
